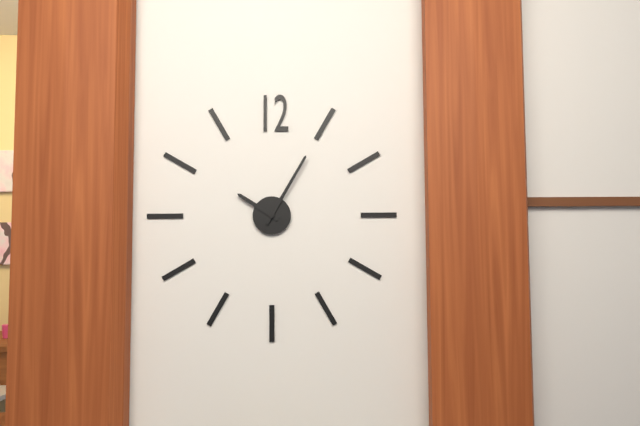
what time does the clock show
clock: 10:05
